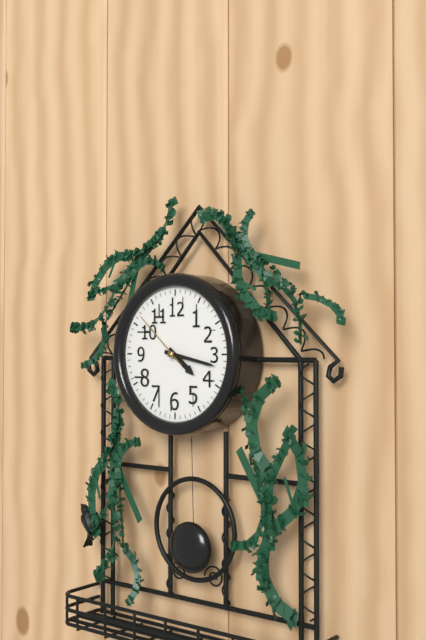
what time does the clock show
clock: 4:17:52
